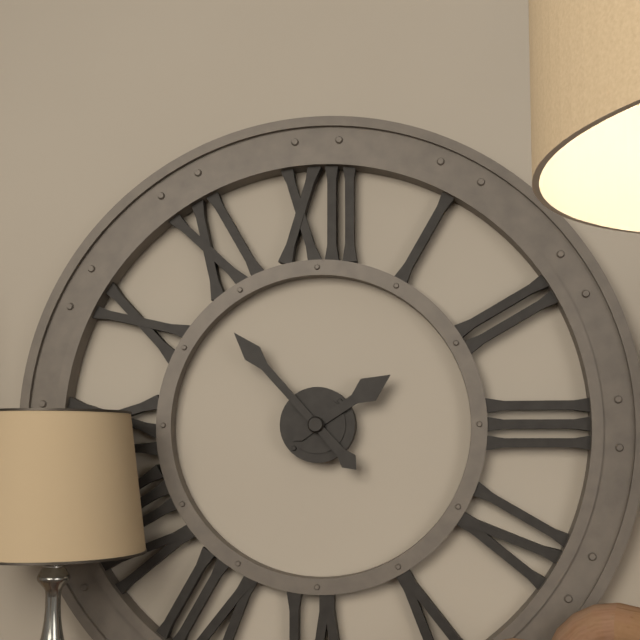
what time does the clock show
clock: 1:53
